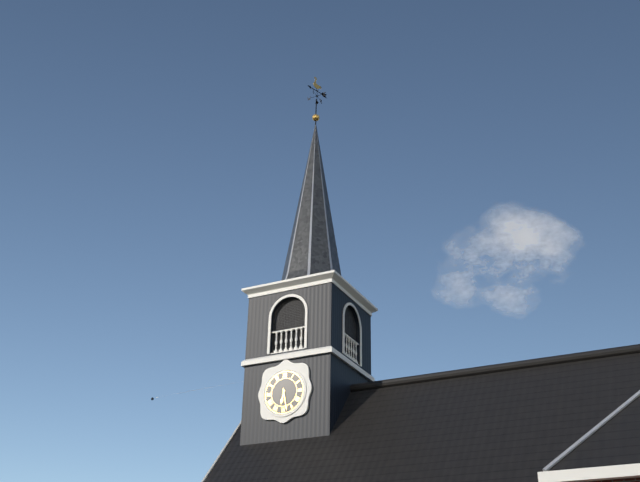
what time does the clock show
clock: 6:28
